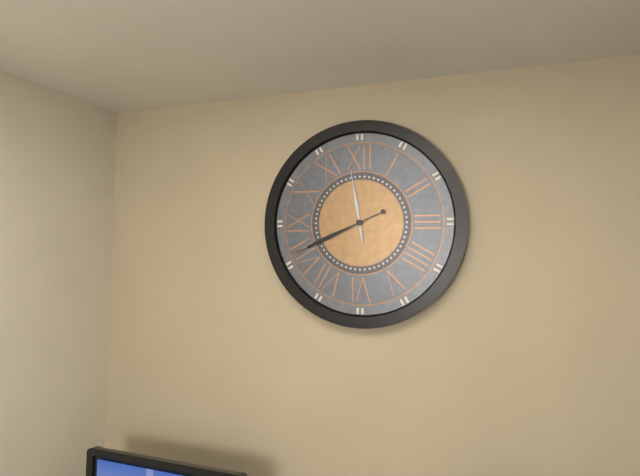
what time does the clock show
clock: 11:41
